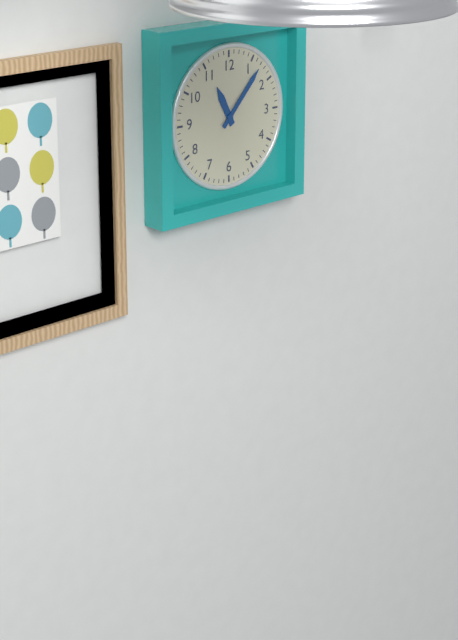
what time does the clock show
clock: 11:07
